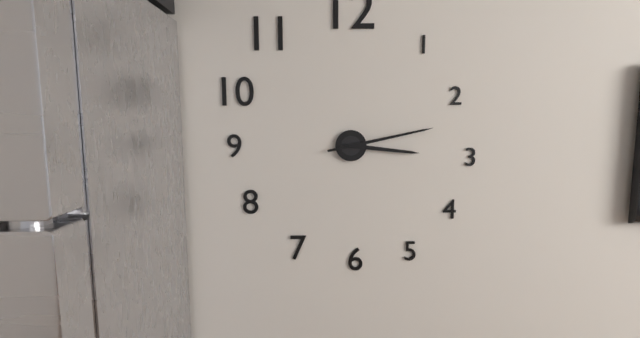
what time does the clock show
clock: 3:13
